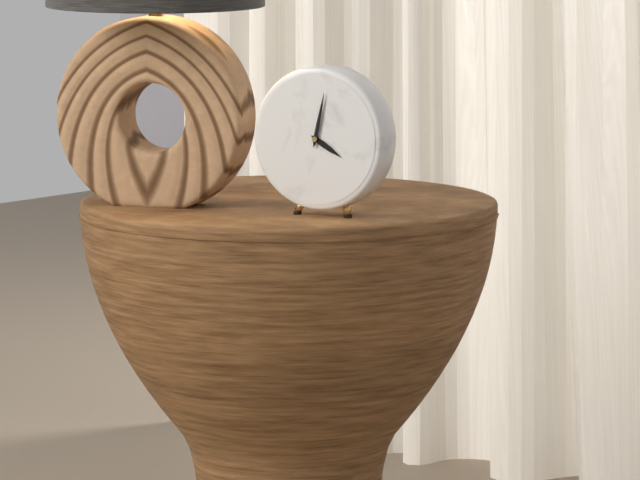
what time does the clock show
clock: 4:02
